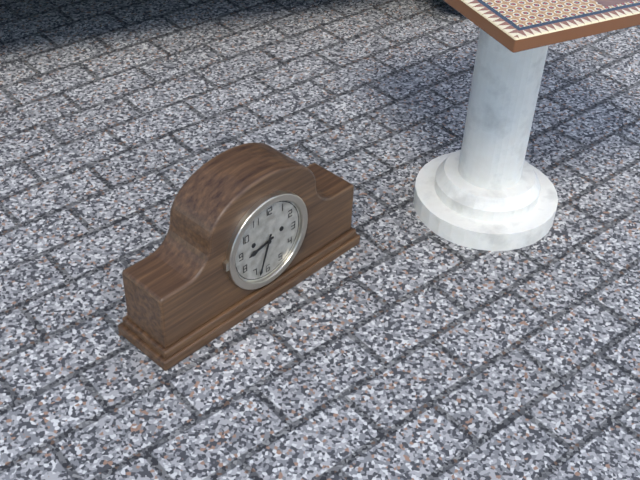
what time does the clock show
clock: 8:33
